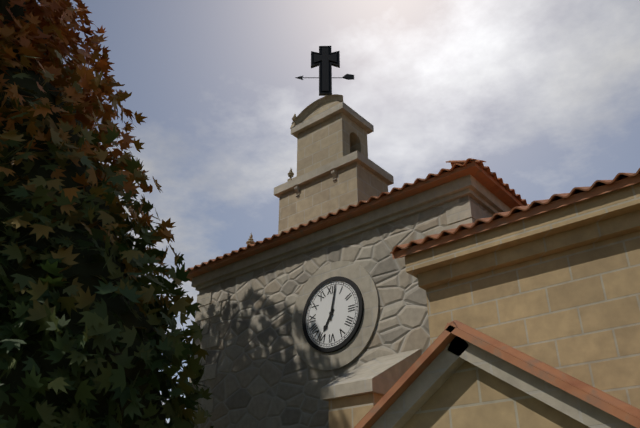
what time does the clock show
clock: 7:02
